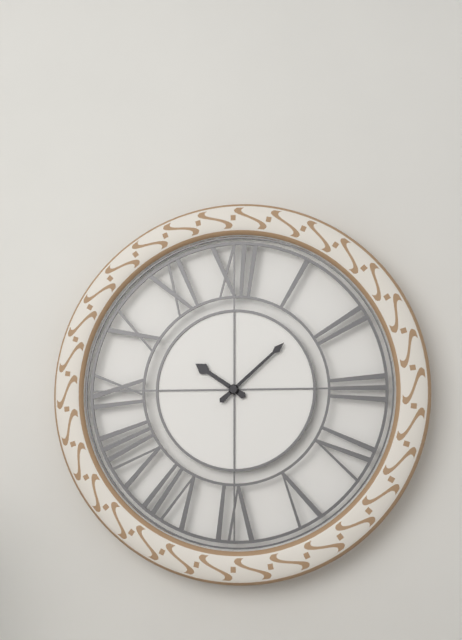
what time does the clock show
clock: 10:08
